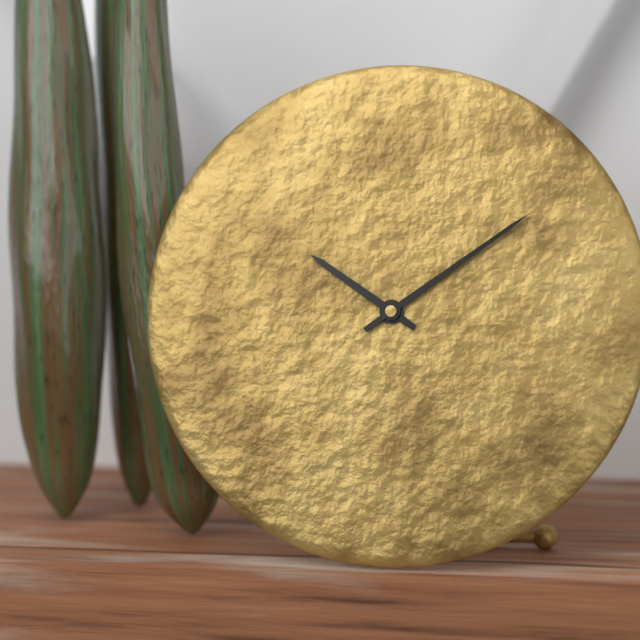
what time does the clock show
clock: 10:09
